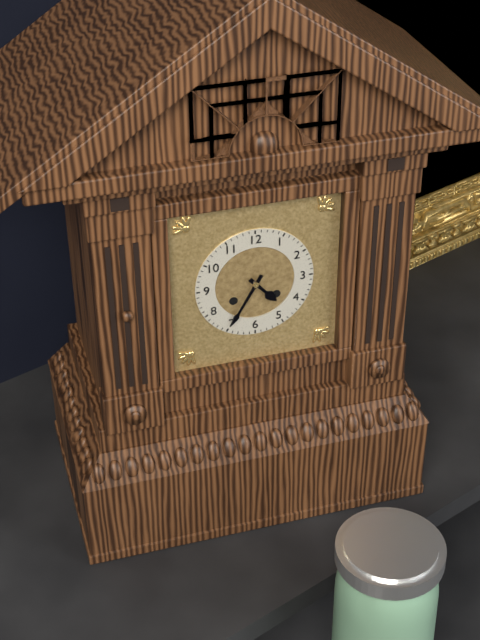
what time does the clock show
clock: 4:35
